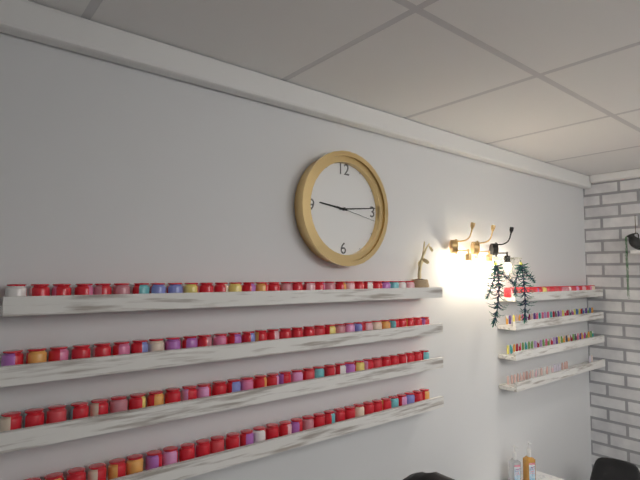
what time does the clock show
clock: 9:14
